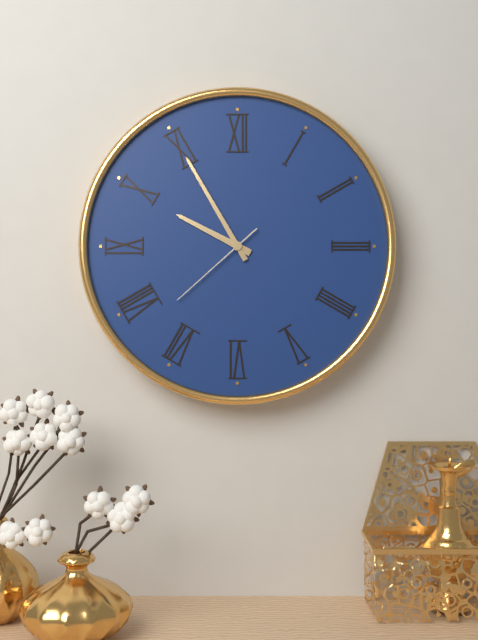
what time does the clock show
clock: 9:55:38
